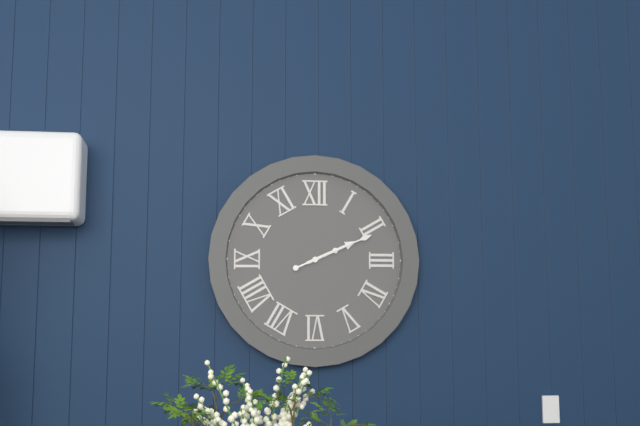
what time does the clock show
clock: 2:11
